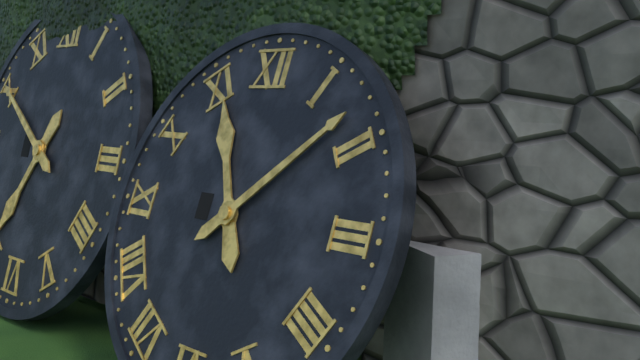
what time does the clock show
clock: 11:08
